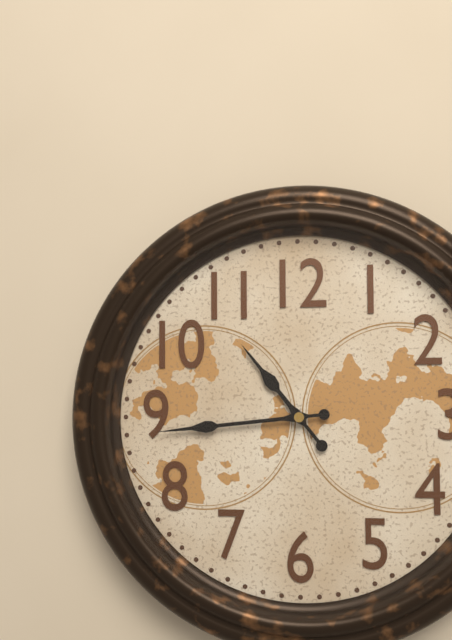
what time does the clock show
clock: 10:44
